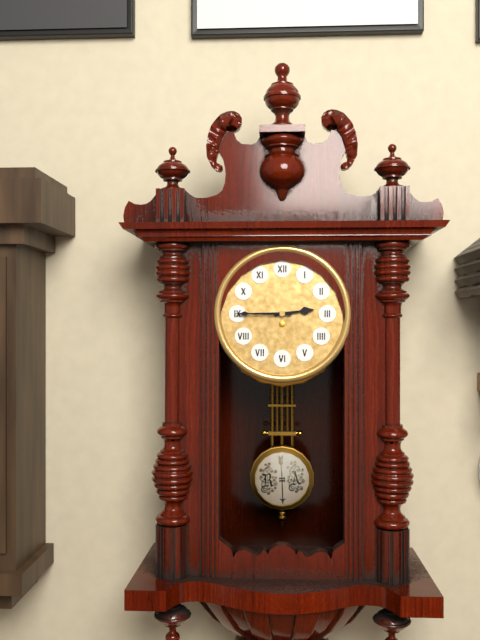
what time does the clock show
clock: 2:45
